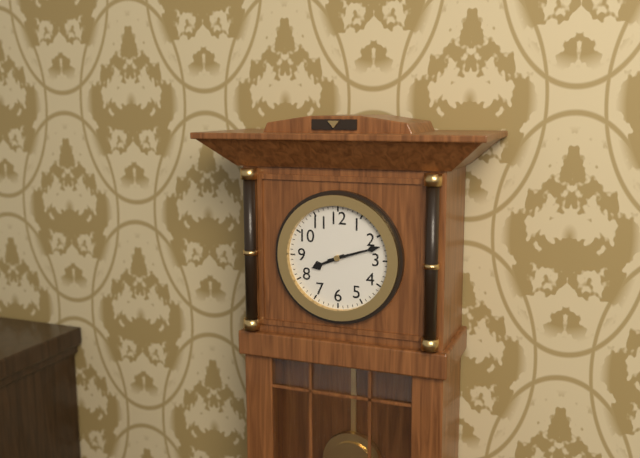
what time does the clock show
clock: 8:12
